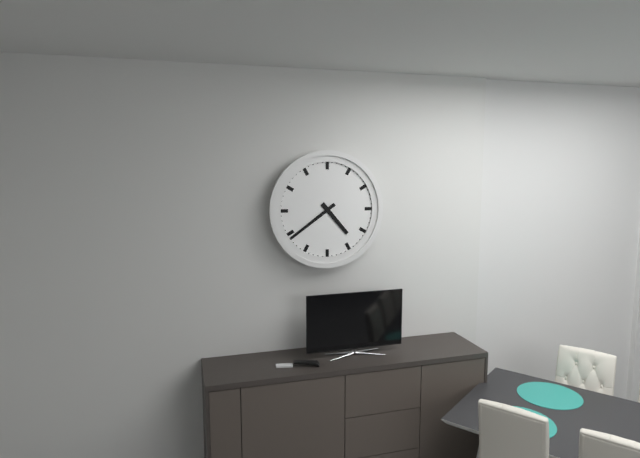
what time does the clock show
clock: 4:39
